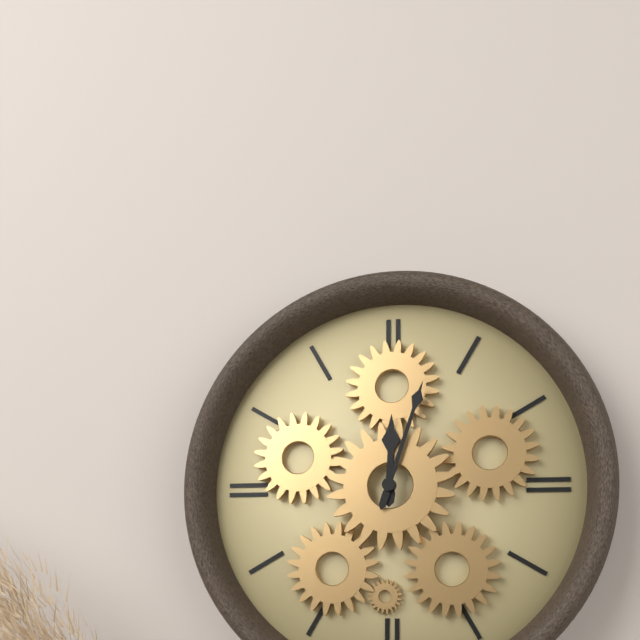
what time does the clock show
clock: 12:03
